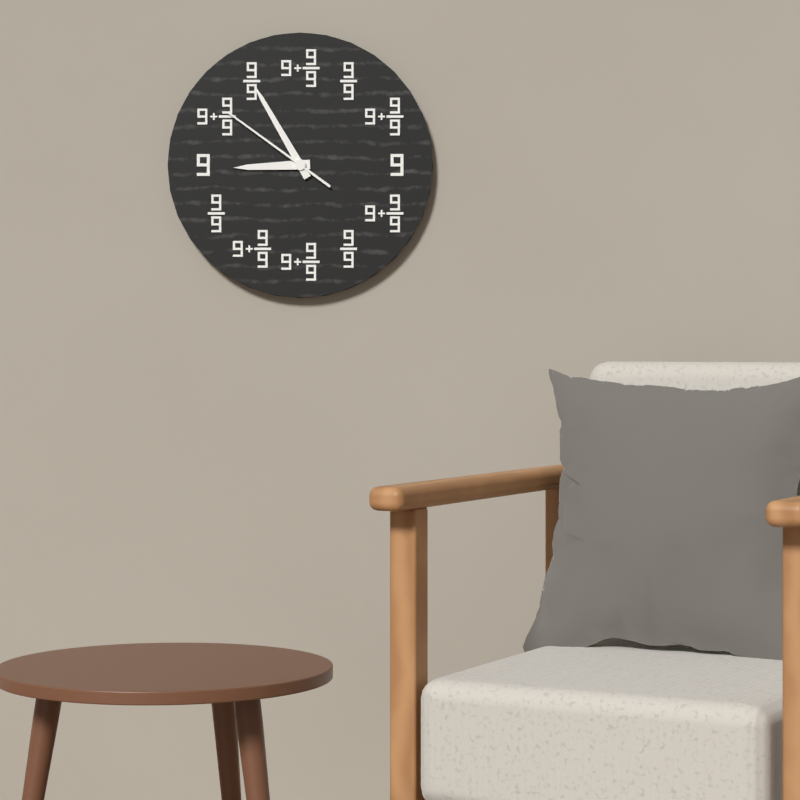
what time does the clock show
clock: 8:55:51
